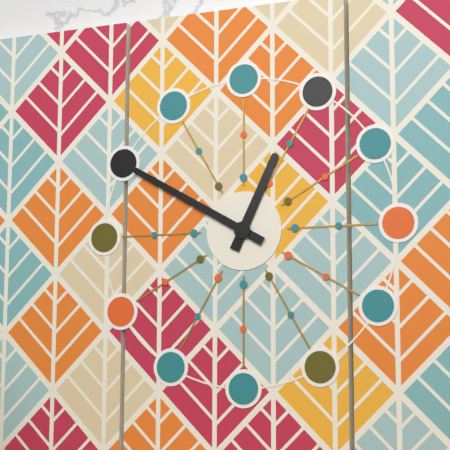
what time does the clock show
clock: 12:50
